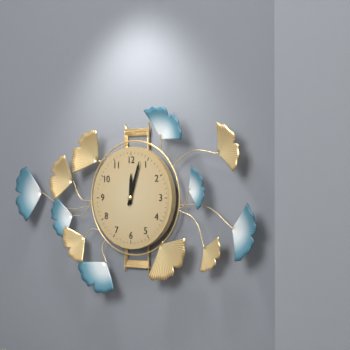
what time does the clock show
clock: 12:03
